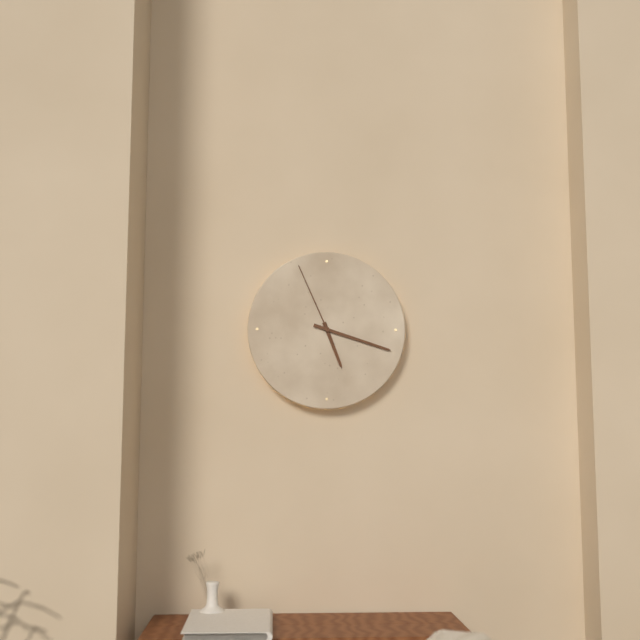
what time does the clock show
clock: 5:18:56
